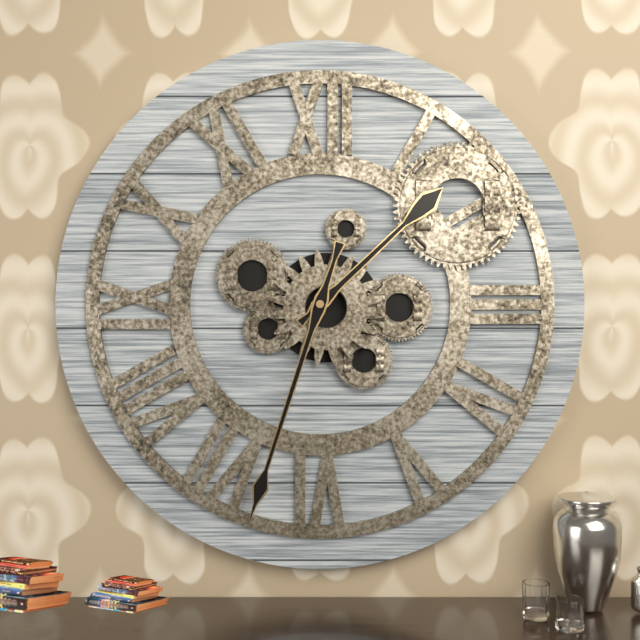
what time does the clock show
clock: 1:33
